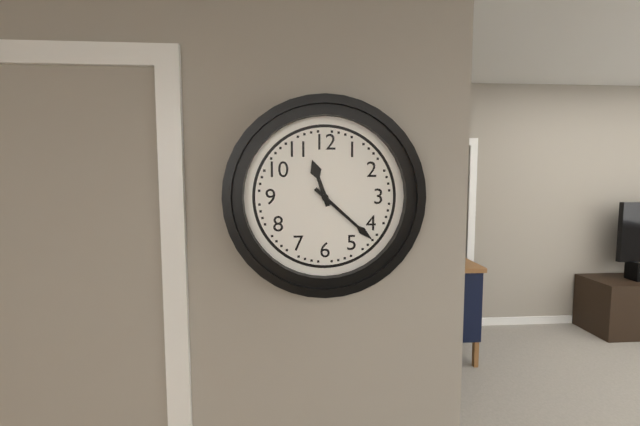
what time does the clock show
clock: 11:22
